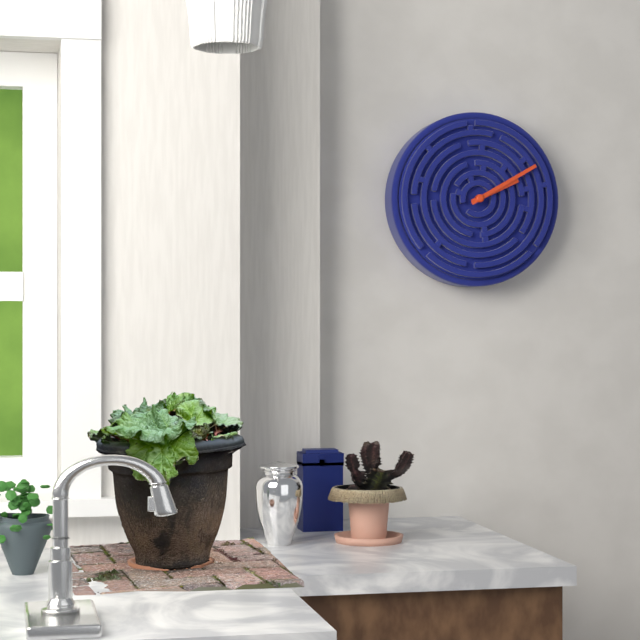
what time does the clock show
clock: 2:10
